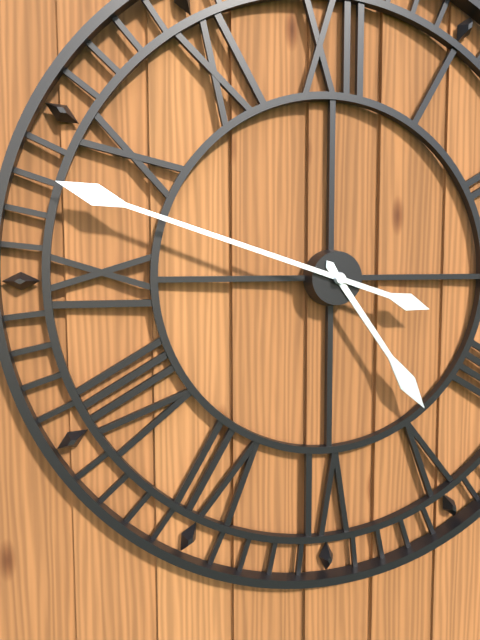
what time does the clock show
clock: 4:48
